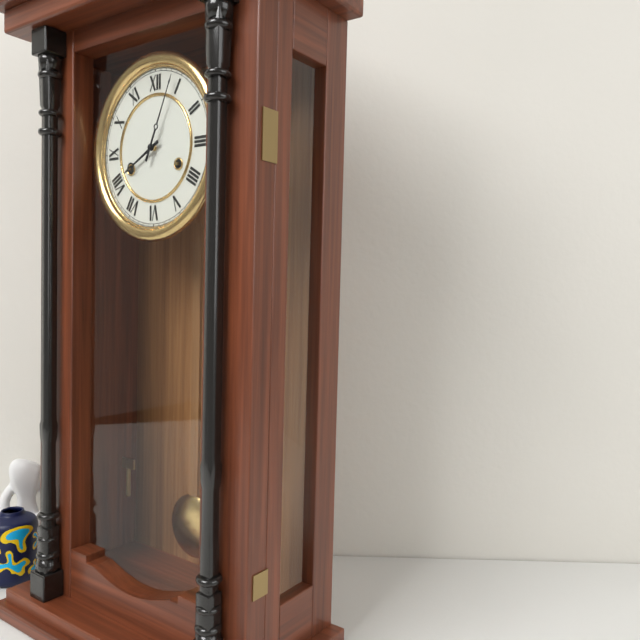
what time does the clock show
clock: 8:04
